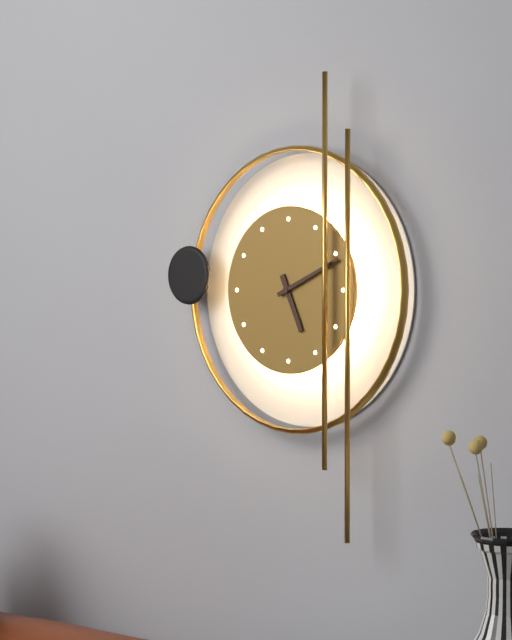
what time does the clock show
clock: 5:11
